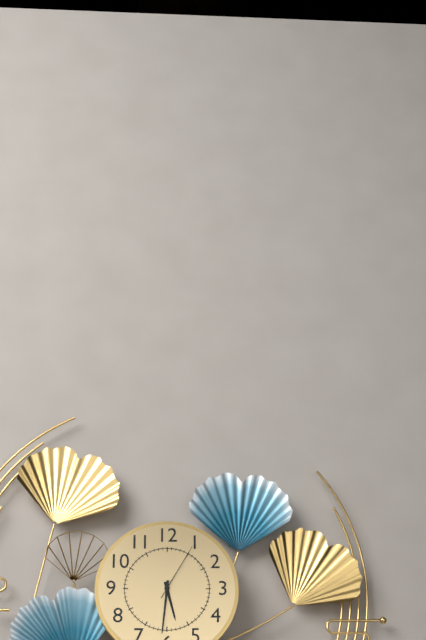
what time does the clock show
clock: 5:31:05
